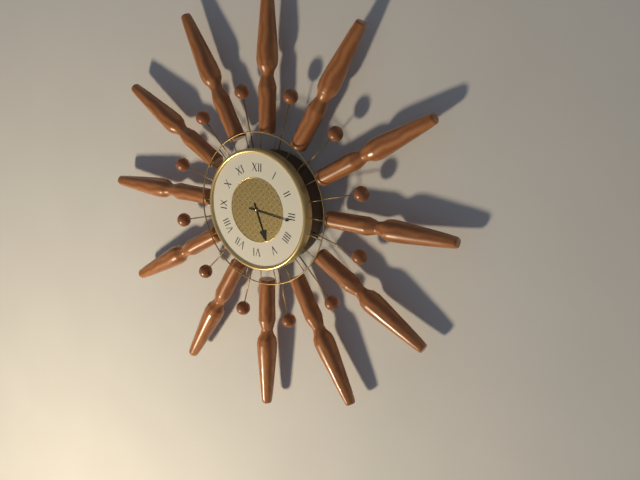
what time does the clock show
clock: 5:16
